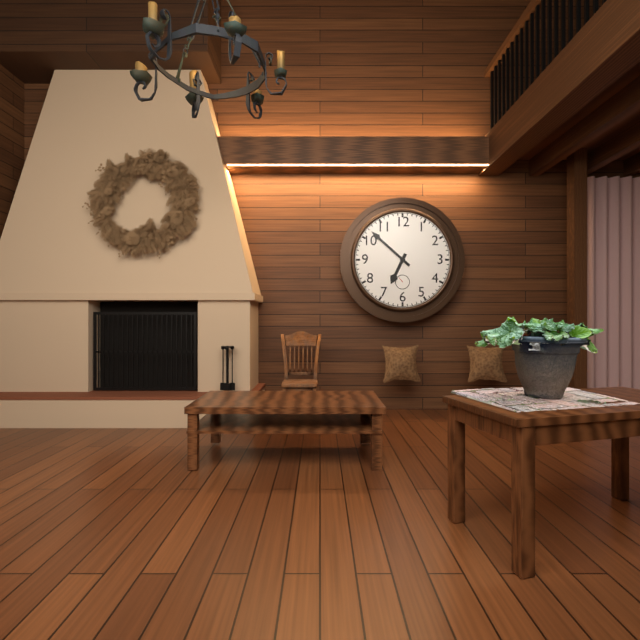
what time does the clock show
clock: 6:52
